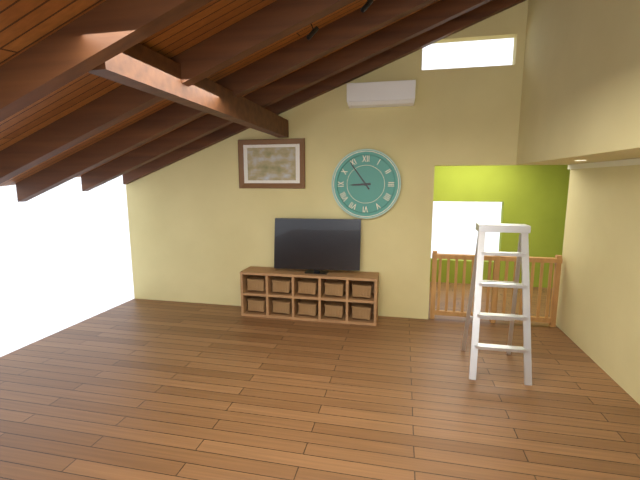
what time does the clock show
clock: 8:54
